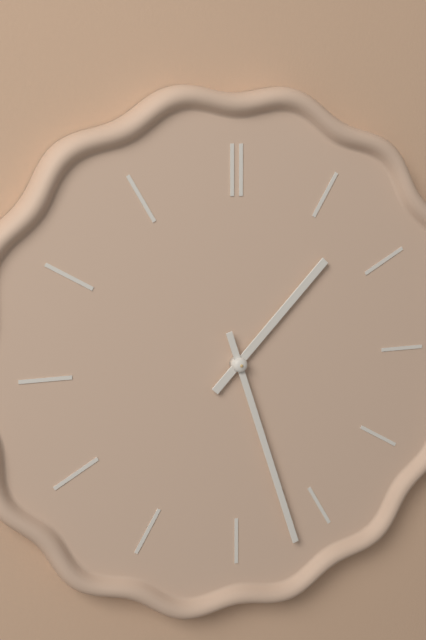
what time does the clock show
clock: 1:27
